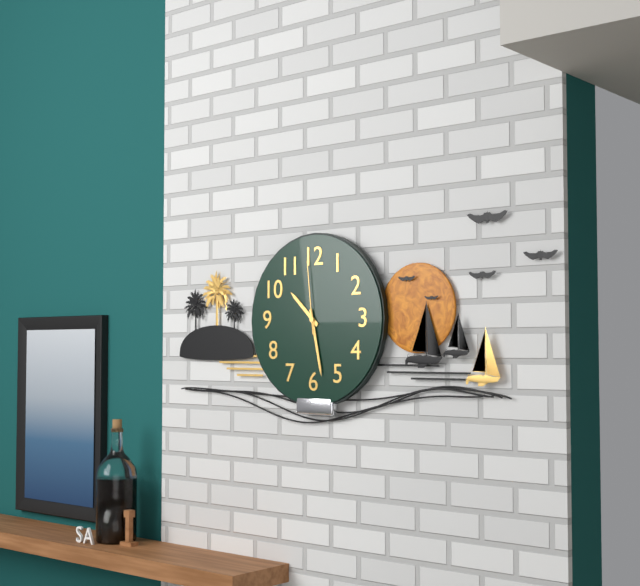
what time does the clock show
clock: 10:28:59
